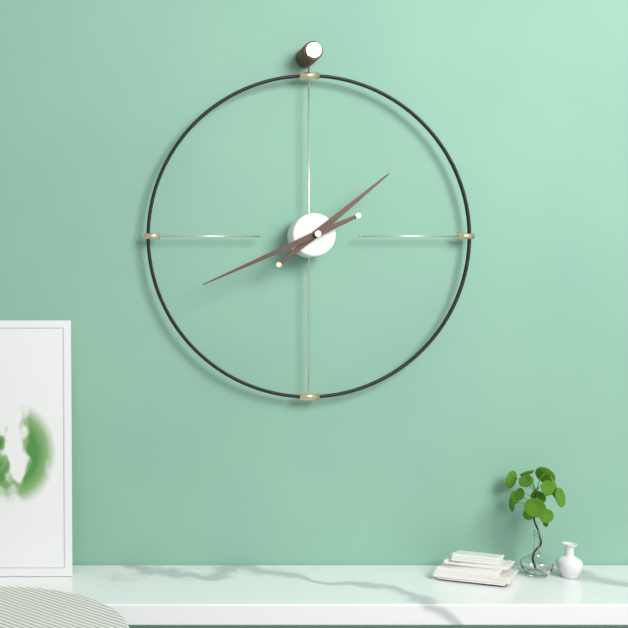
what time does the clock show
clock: 1:41
